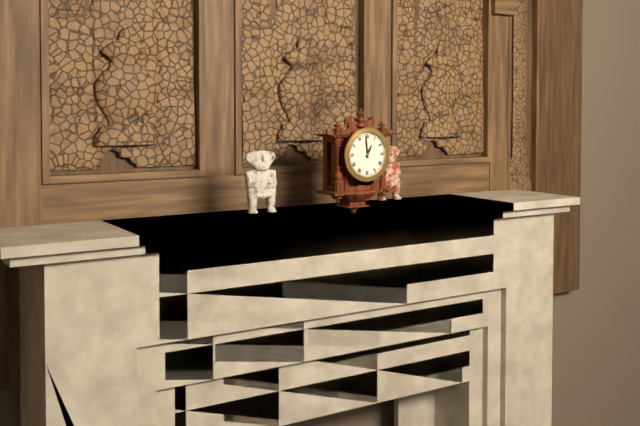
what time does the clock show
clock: 12:59
